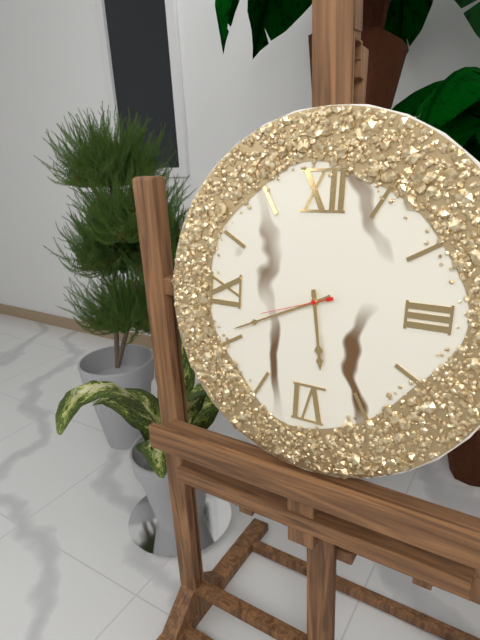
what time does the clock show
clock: 5:41:42
